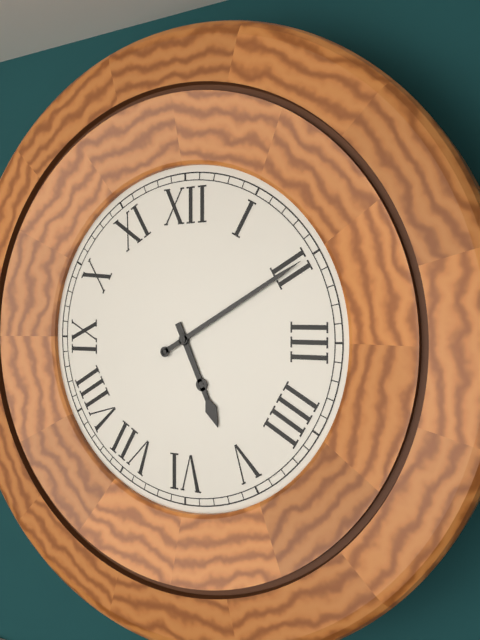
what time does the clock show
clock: 5:10
